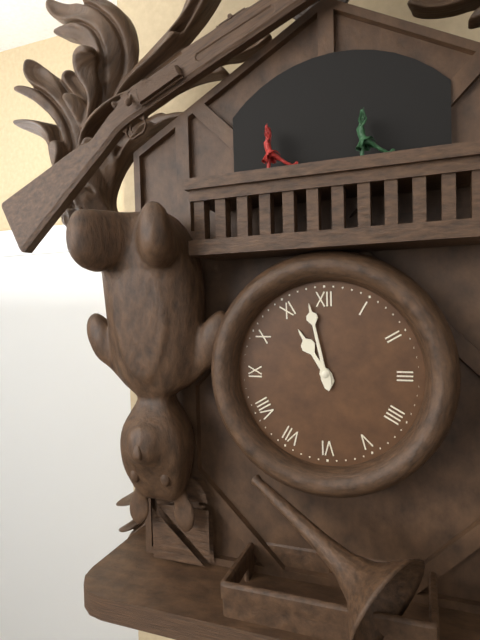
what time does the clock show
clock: 10:58
